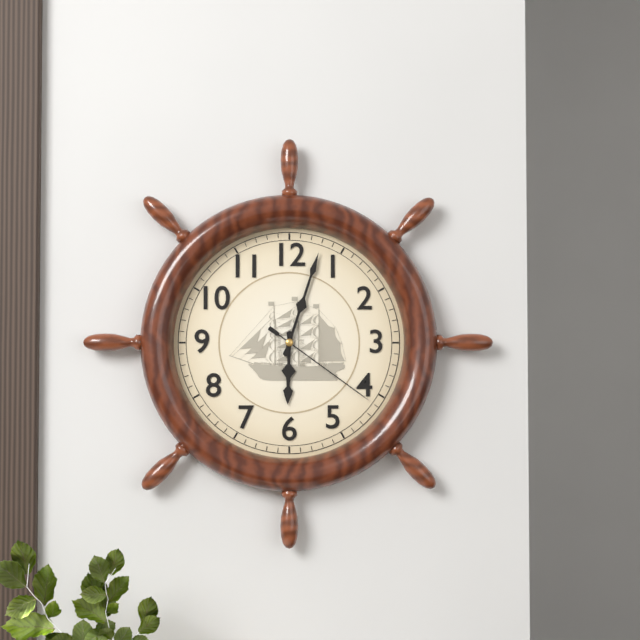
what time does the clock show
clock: 6:03:21
